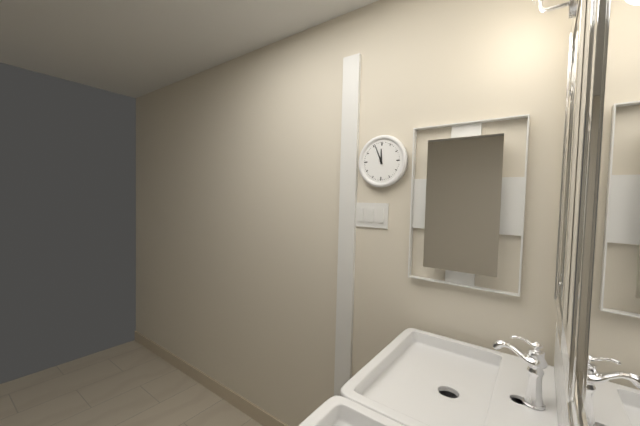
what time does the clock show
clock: 11:56
